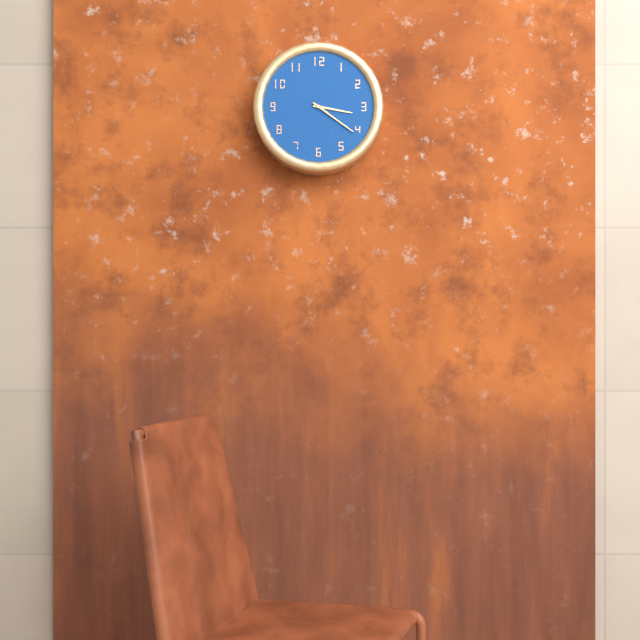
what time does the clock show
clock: 3:21
